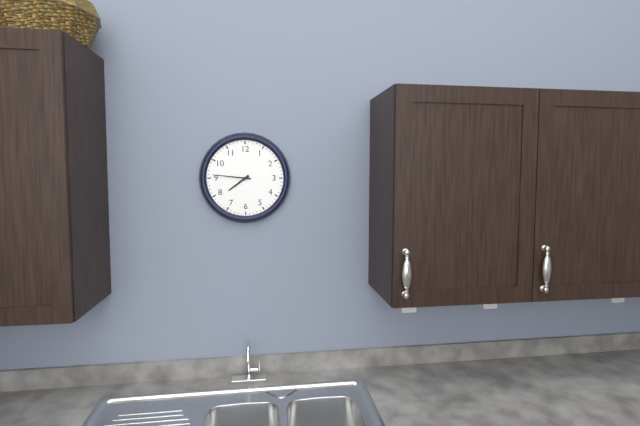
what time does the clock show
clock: 7:46
